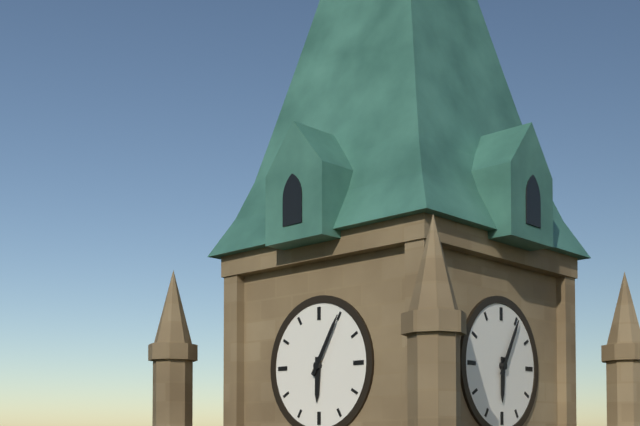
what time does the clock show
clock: 6:05
